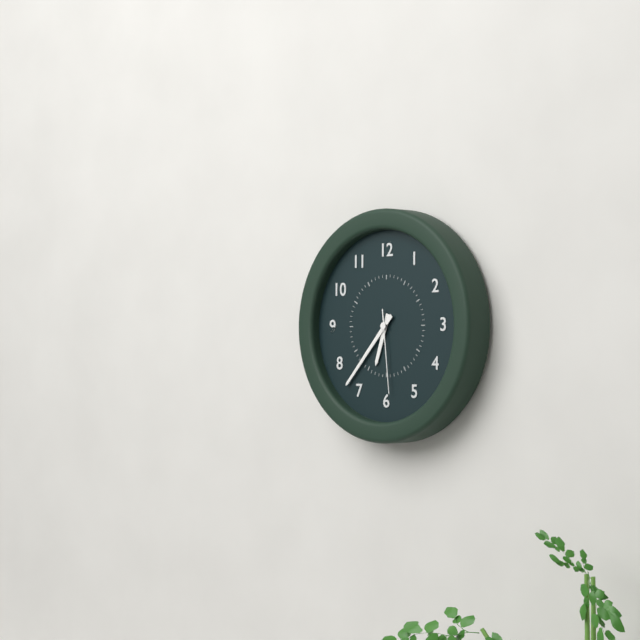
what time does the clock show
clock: 6:37:29
